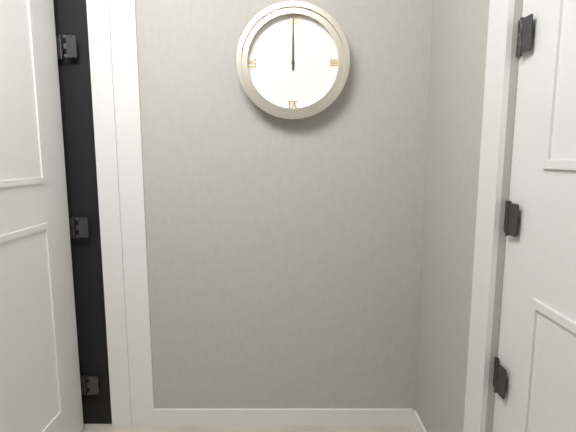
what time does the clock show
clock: 12:00
